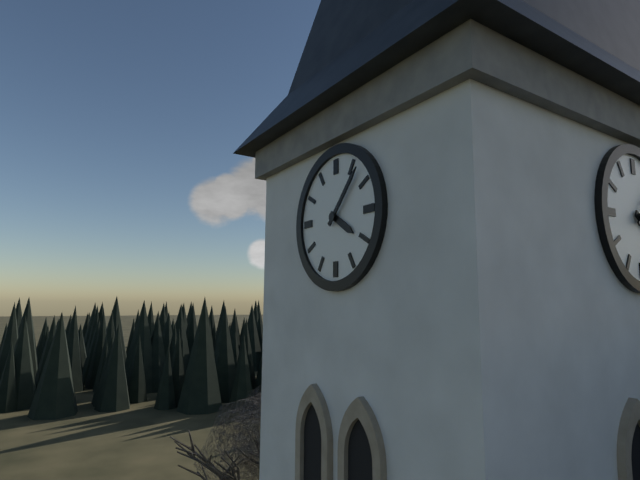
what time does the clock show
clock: 4:07
